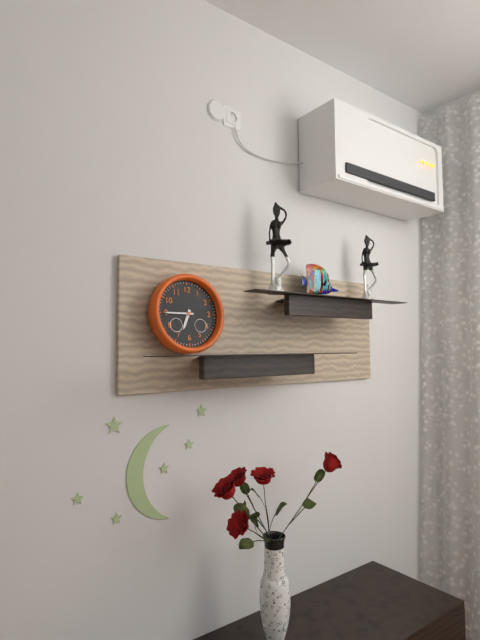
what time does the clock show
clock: 6:45
